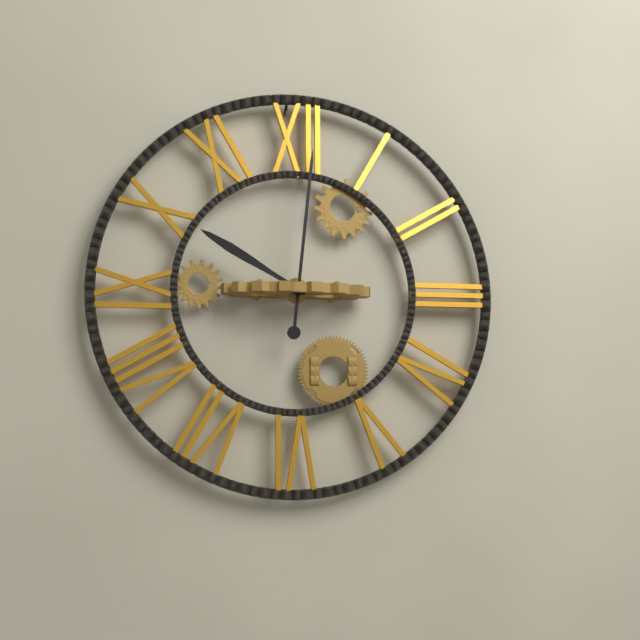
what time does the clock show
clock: 10:01
